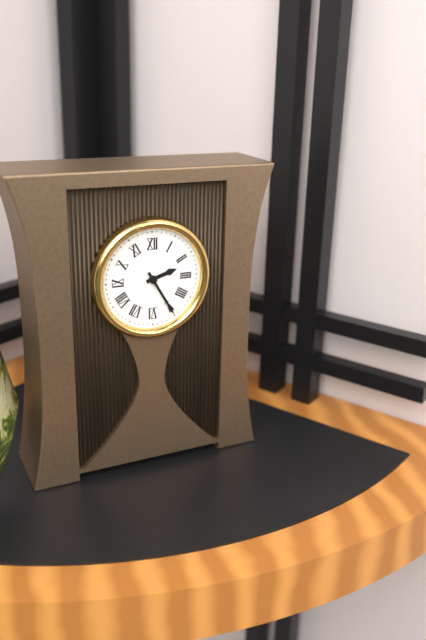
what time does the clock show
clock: 2:25
